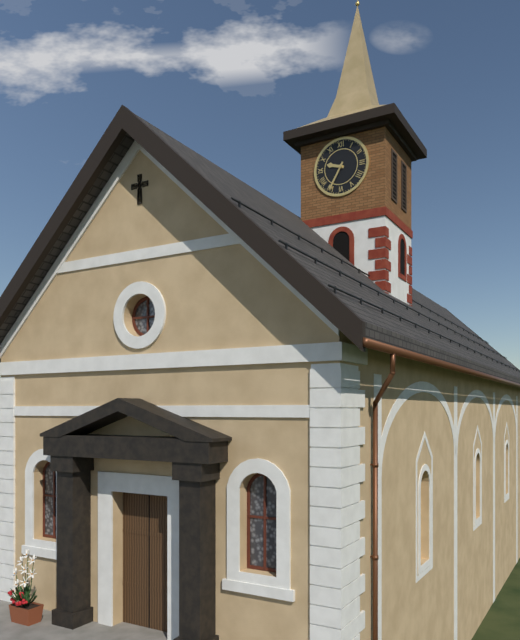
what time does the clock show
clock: 9:35
